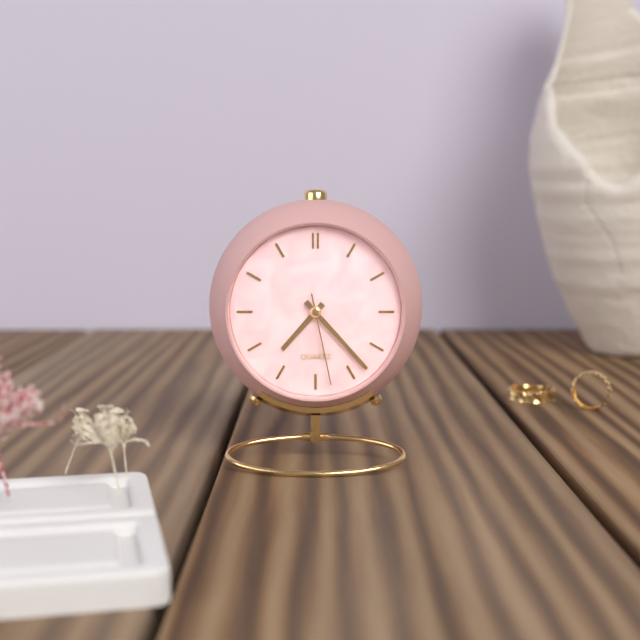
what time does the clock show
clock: 7:23:28
